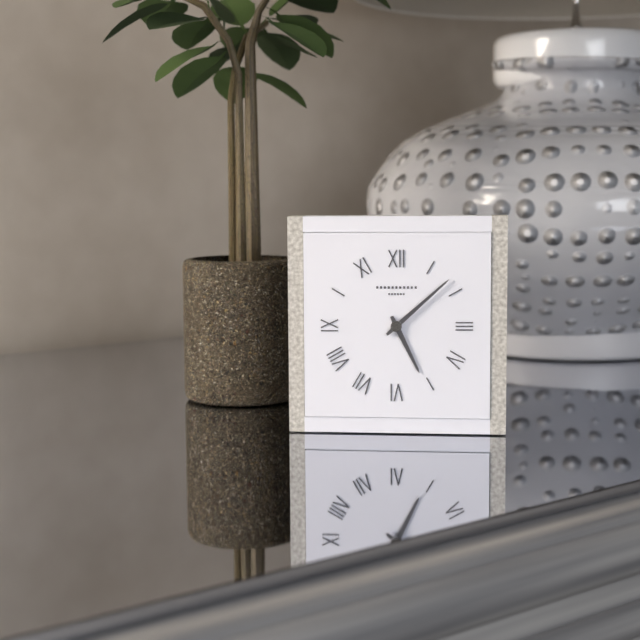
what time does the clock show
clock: 5:08
